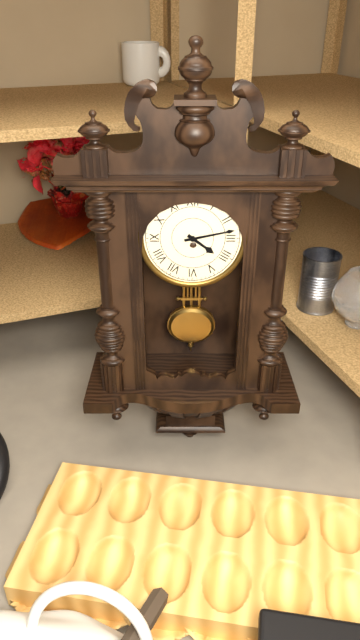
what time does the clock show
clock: 4:13
